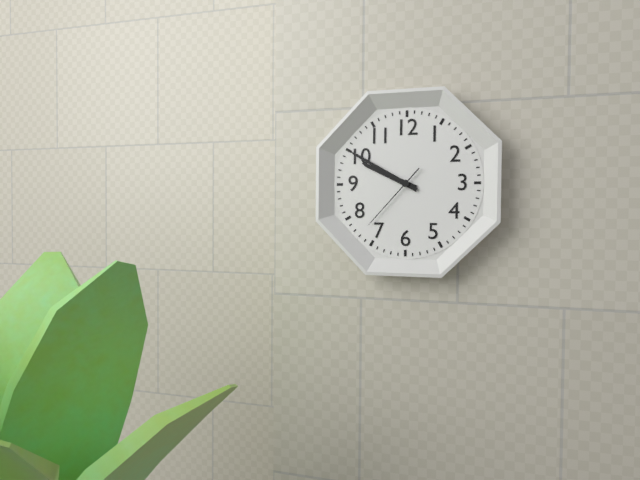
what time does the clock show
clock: 9:50:37
